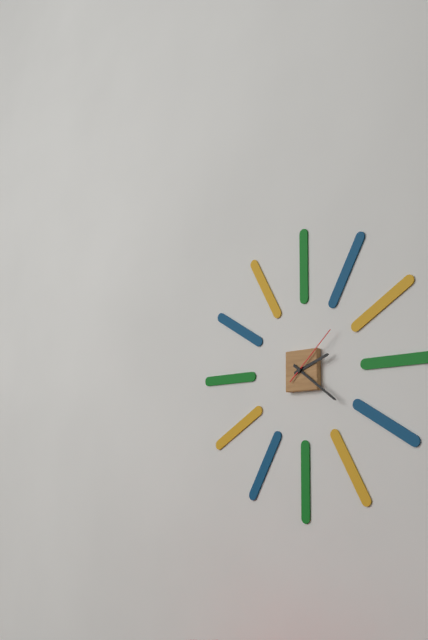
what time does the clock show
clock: 2:21:08
